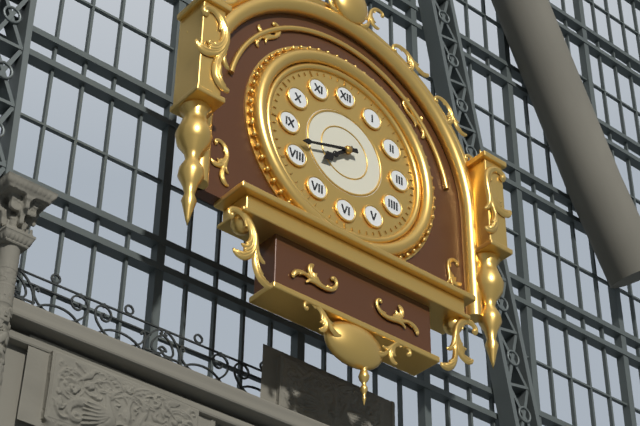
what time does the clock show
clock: 7:42
